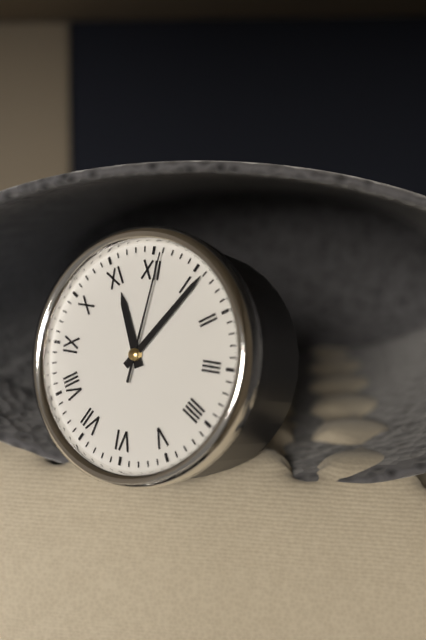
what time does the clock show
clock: 11:06:01
